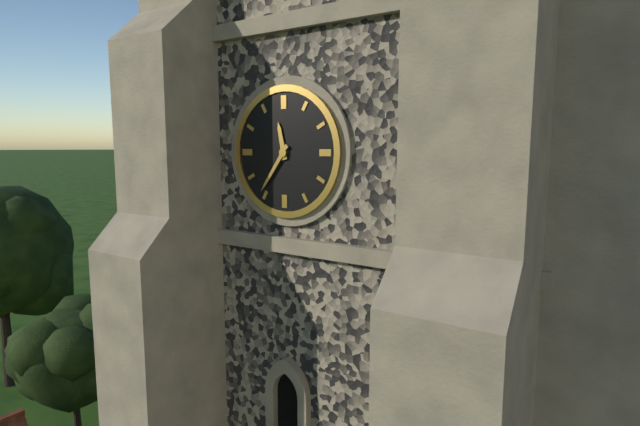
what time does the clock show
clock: 11:36
